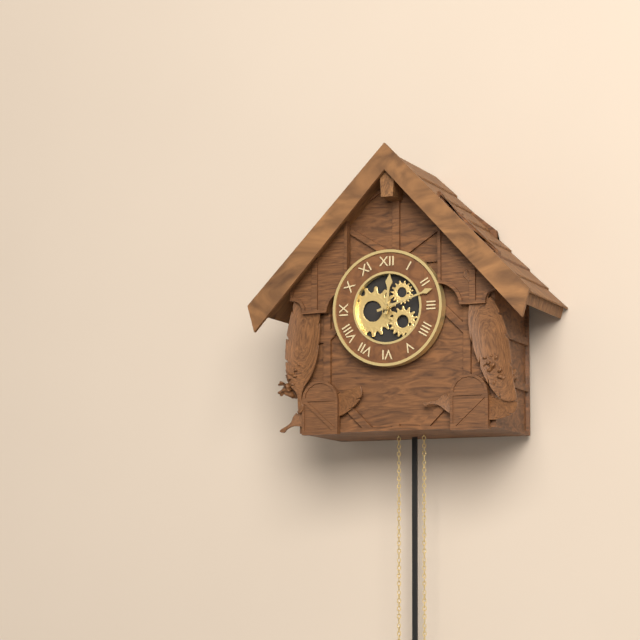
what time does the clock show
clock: 12:12
